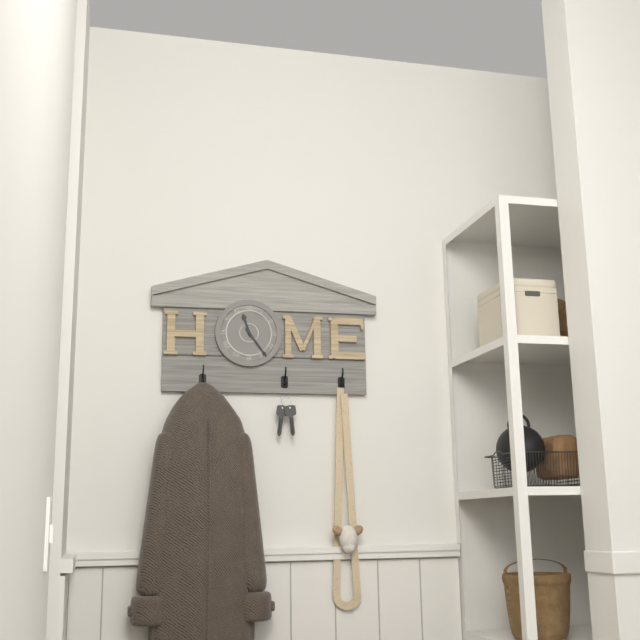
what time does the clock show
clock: 11:24
